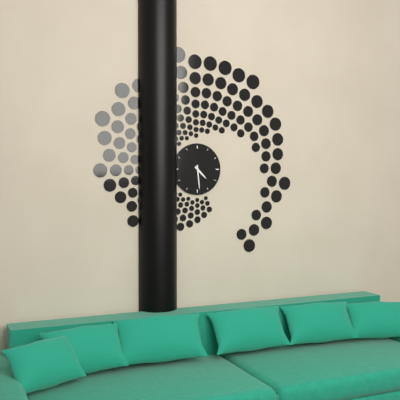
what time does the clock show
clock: 4:29
